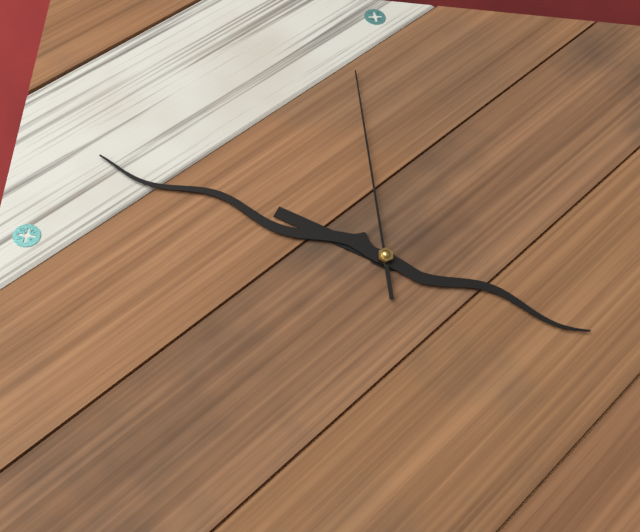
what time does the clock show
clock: 9:48:59
